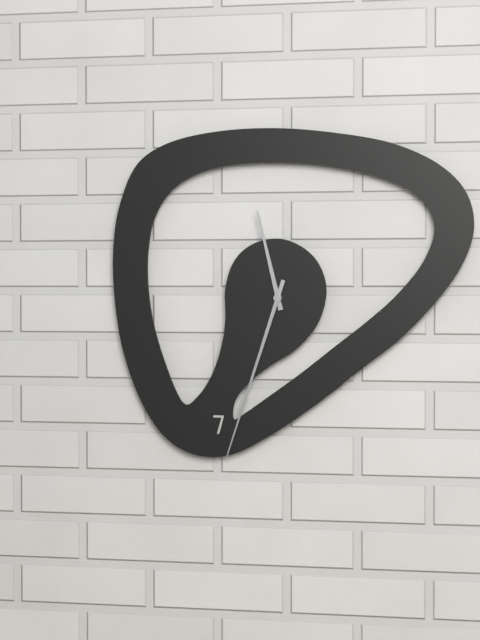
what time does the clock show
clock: 11:33
